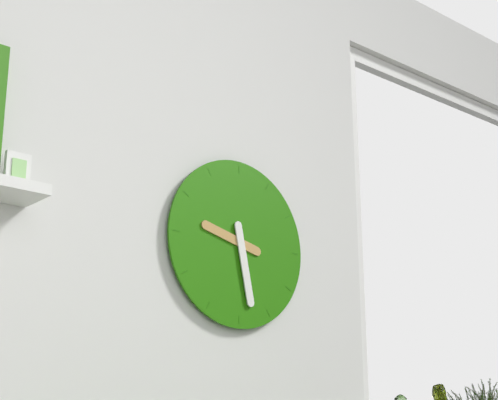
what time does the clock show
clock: 9:28
